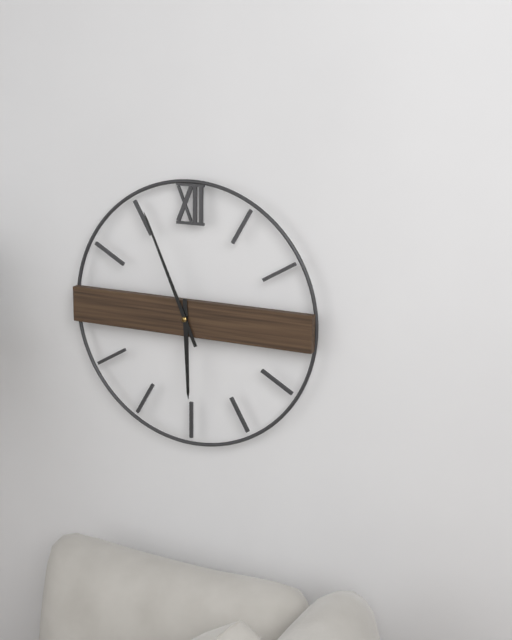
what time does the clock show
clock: 5:56
